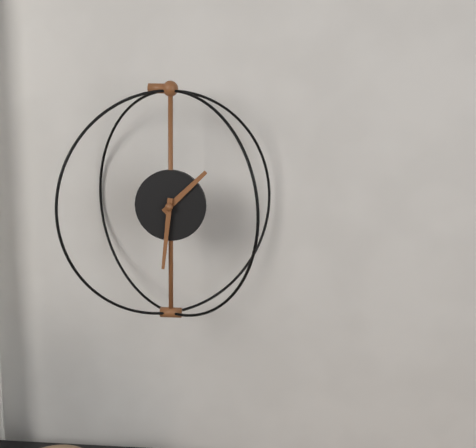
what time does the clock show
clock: 1:31
